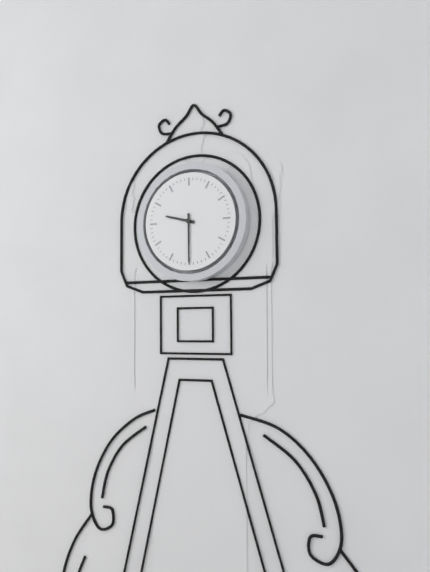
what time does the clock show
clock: 9:30
